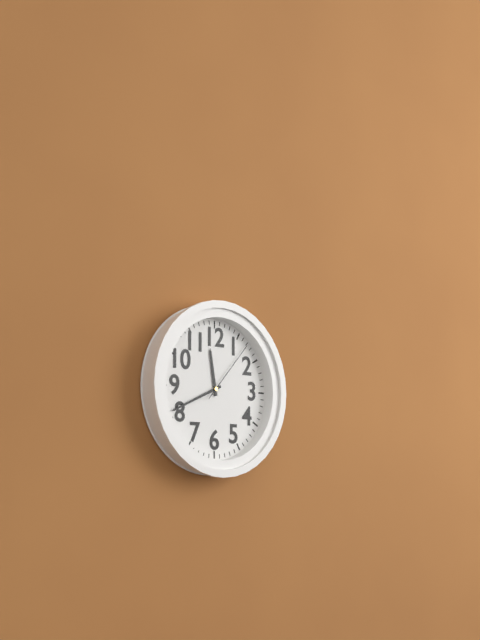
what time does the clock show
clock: 11:41:07
